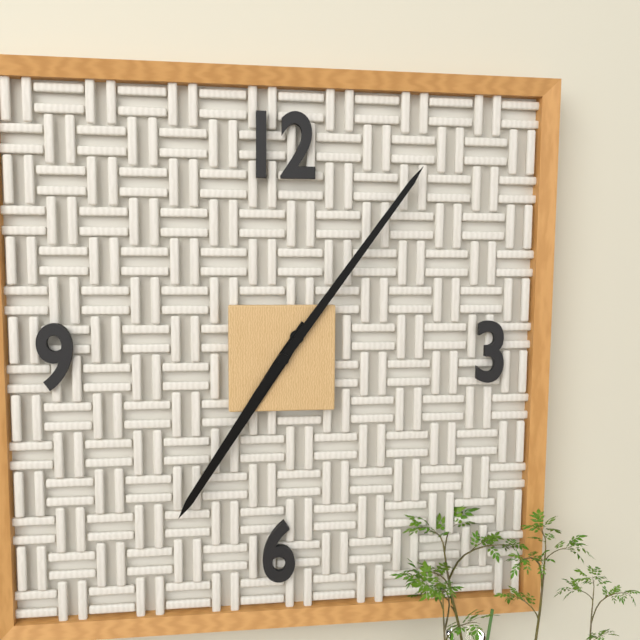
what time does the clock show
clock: 7:06
